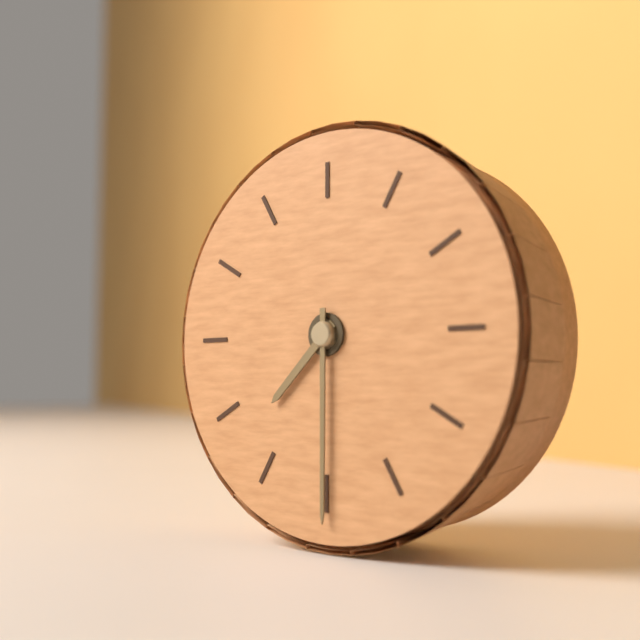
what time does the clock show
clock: 7:30
